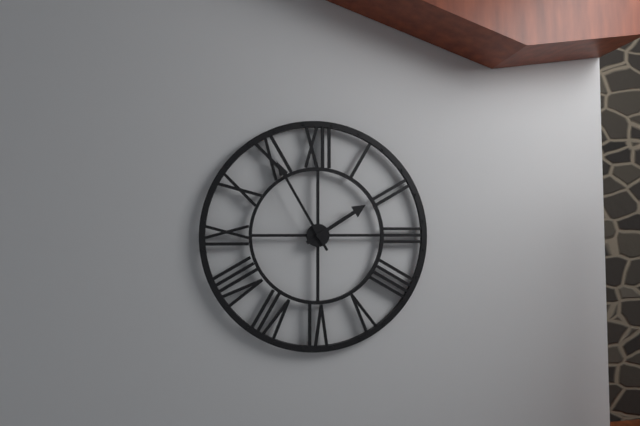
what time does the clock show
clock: 1:55
